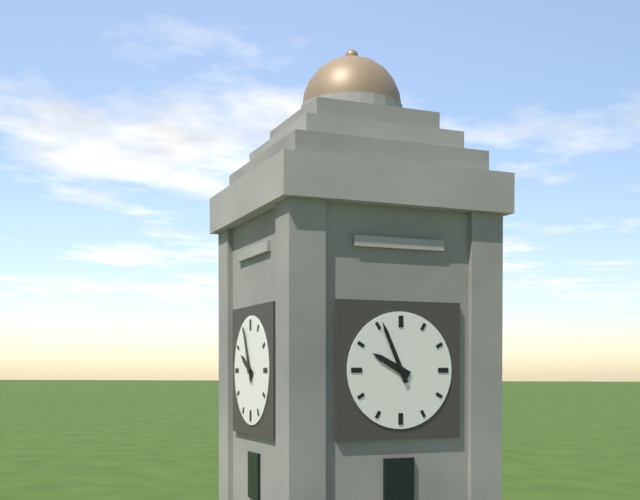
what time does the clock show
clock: 9:56
